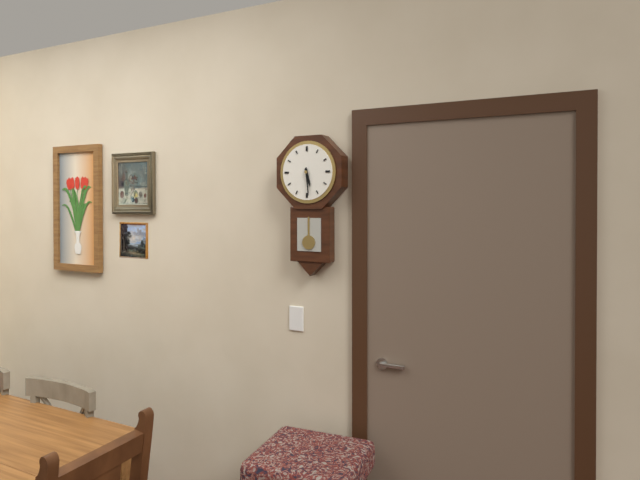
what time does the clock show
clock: 5:29
